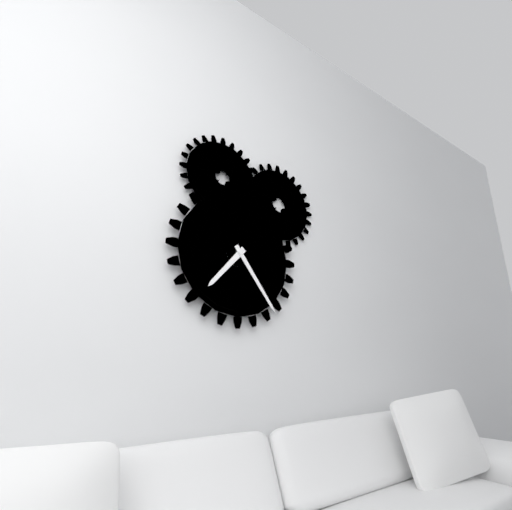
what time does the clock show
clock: 7:24
